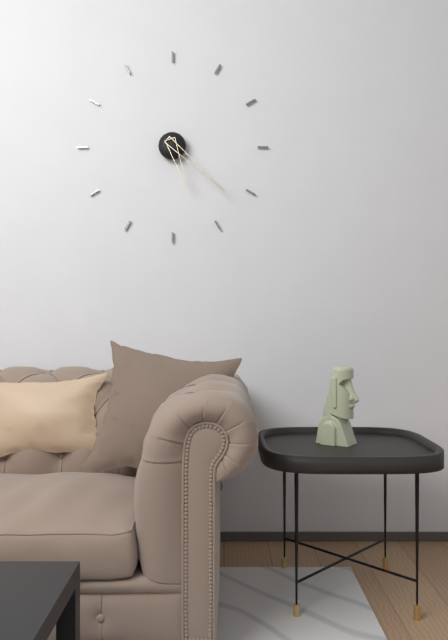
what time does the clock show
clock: 5:22
